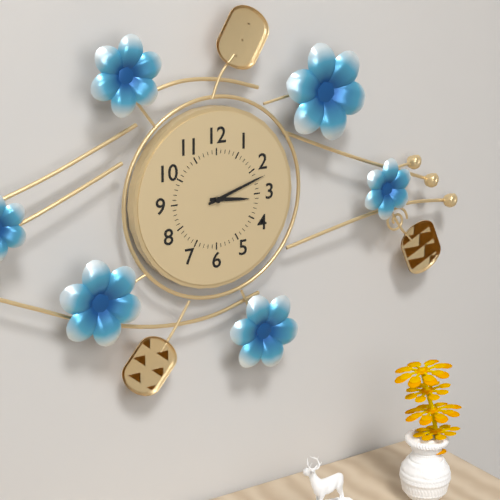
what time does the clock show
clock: 3:12
